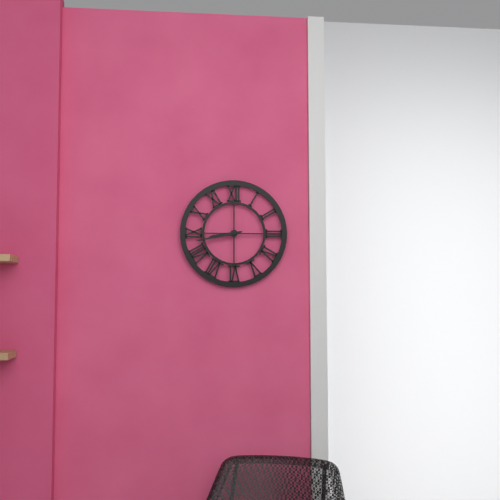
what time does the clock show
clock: 8:43
